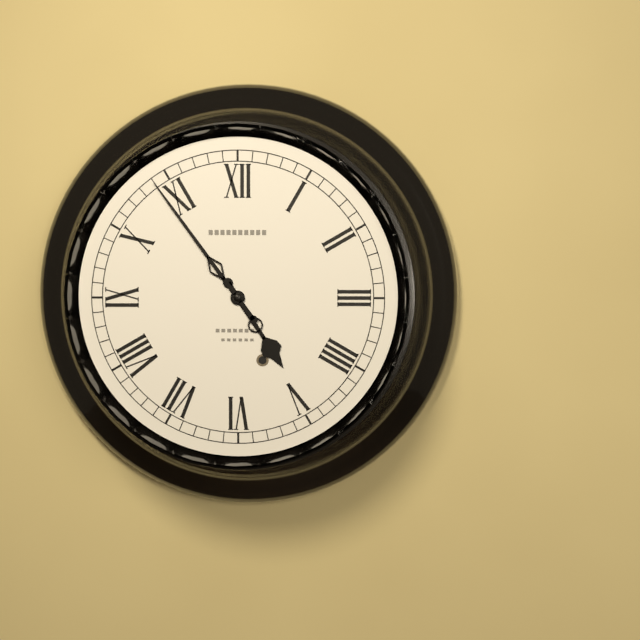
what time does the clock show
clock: 4:54
